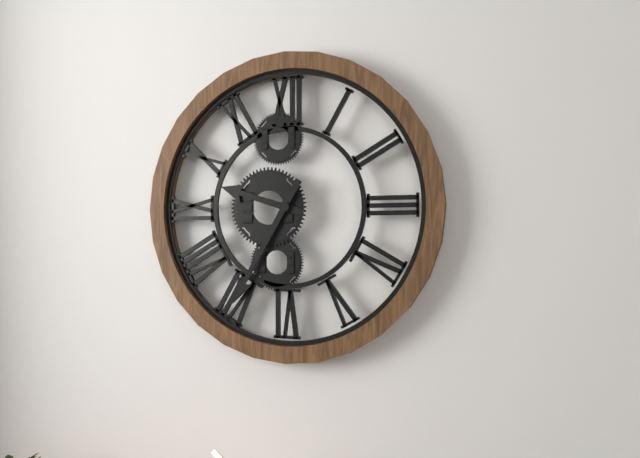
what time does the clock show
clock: 9:35
